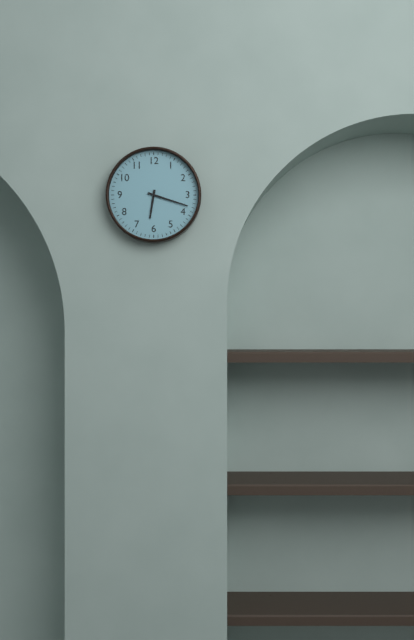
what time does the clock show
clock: 6:18
